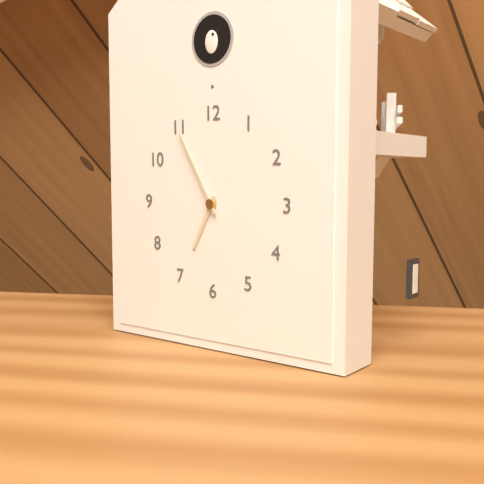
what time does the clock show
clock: 6:55
